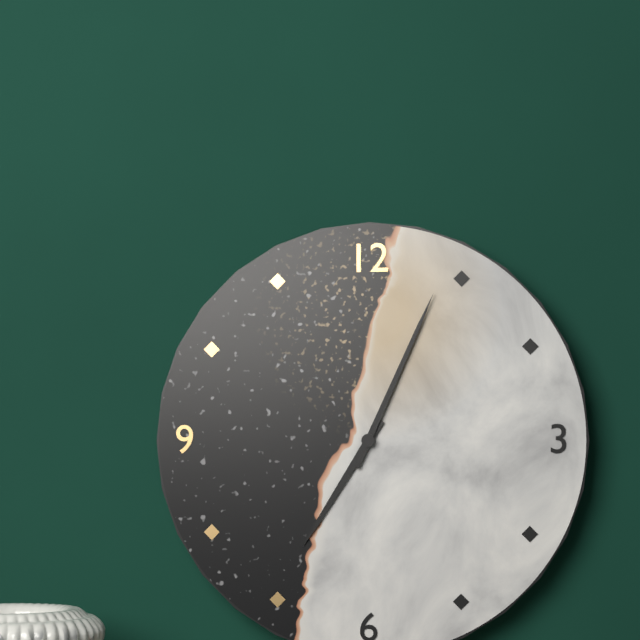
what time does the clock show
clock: 7:04
